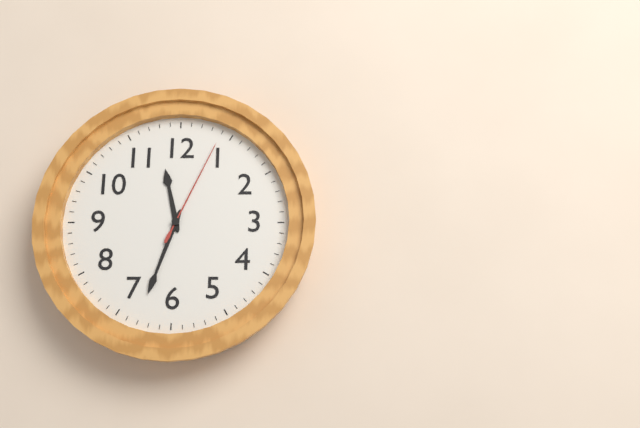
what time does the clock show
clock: 11:33:04
